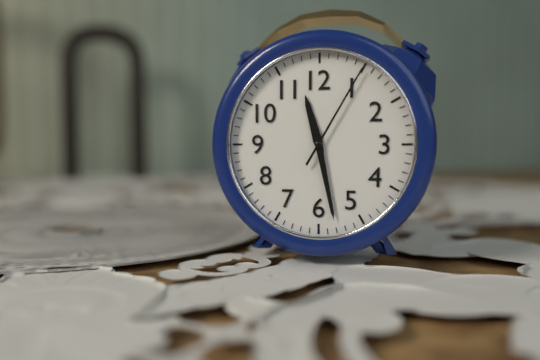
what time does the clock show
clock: 11:28:05
